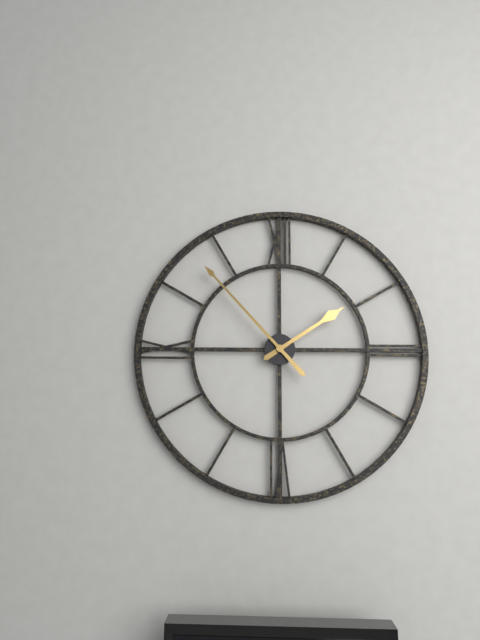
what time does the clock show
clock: 1:53
